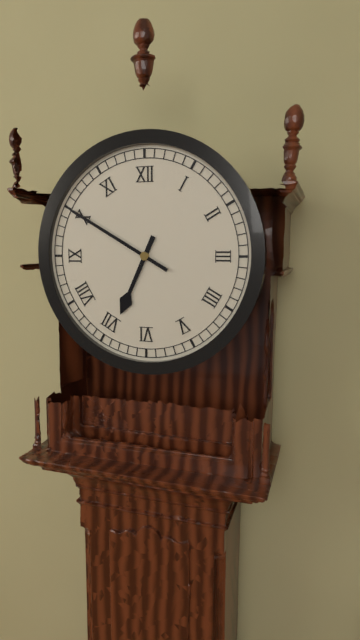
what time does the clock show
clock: 6:50
